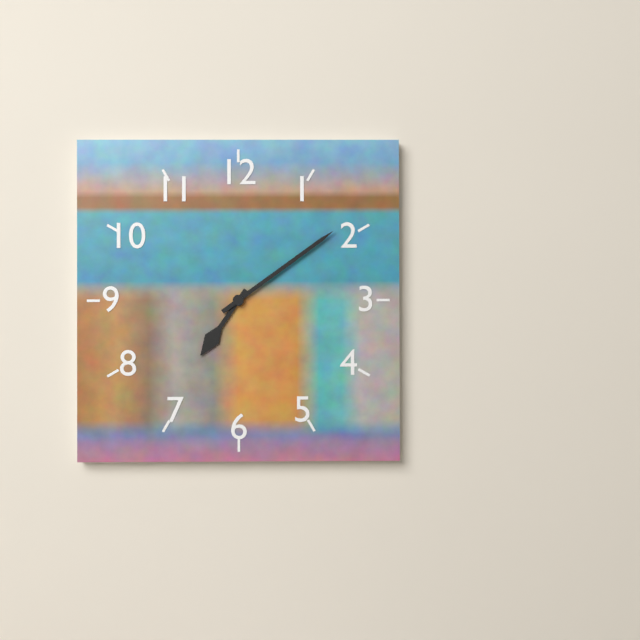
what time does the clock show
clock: 7:09
